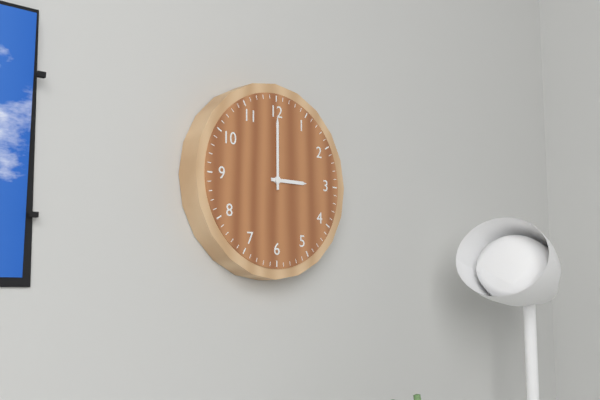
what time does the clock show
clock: 3:00
